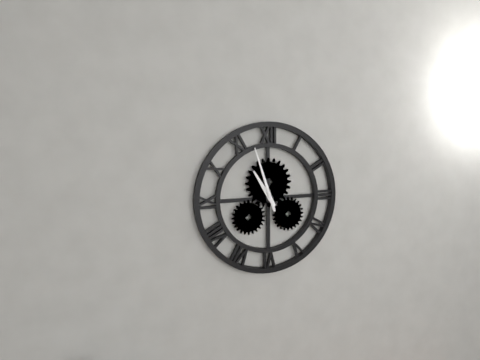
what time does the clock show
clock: 10:57
